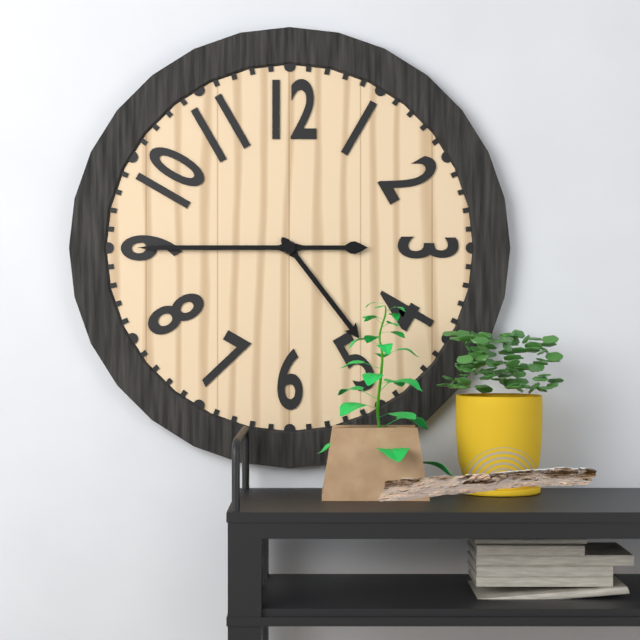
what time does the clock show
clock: 4:45
